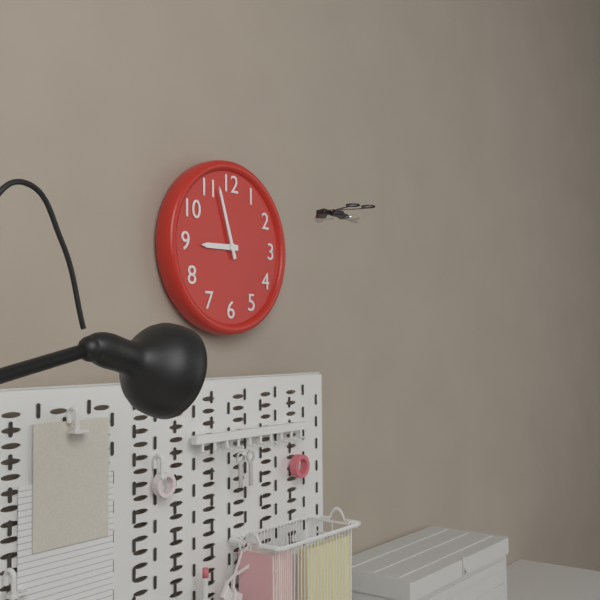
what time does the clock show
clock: 8:57
